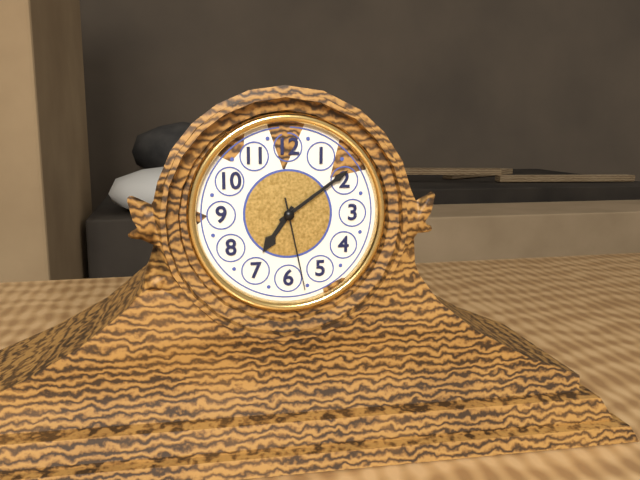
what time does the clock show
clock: 7:09:28
